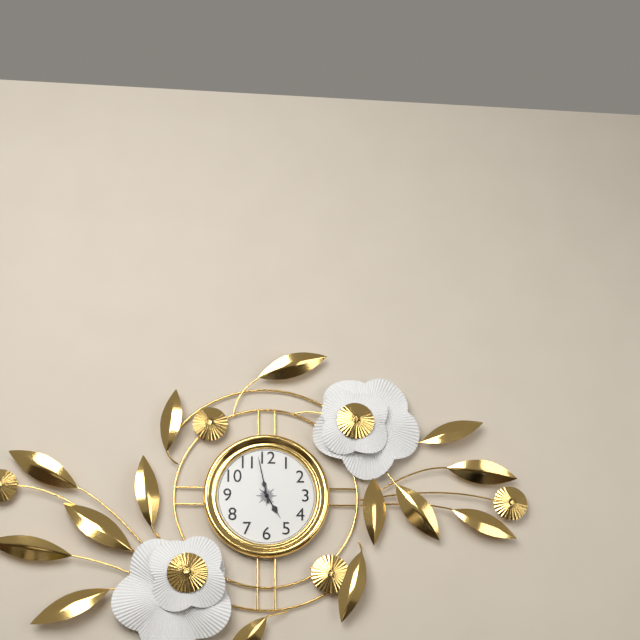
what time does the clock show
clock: 4:58
